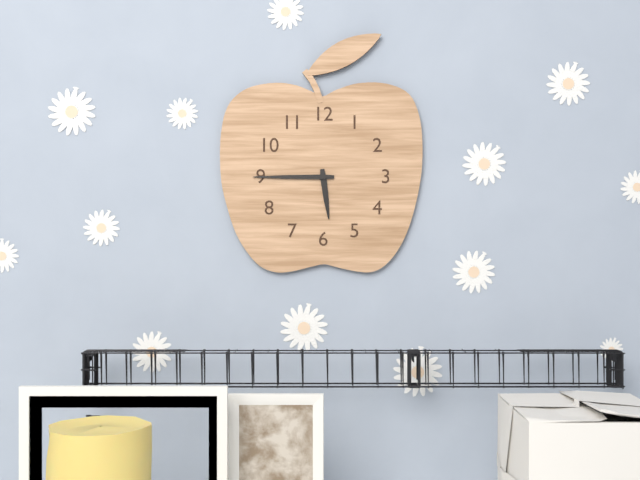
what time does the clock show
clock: 5:45
